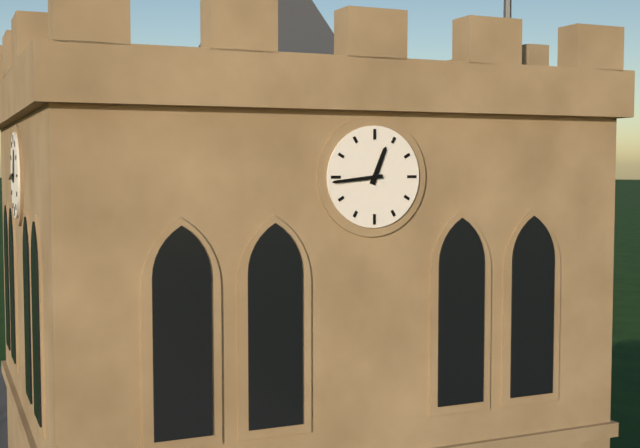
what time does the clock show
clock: 12:44
